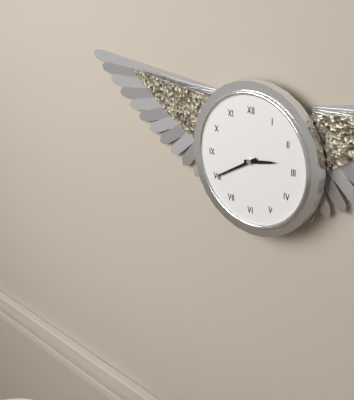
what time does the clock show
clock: 2:40
